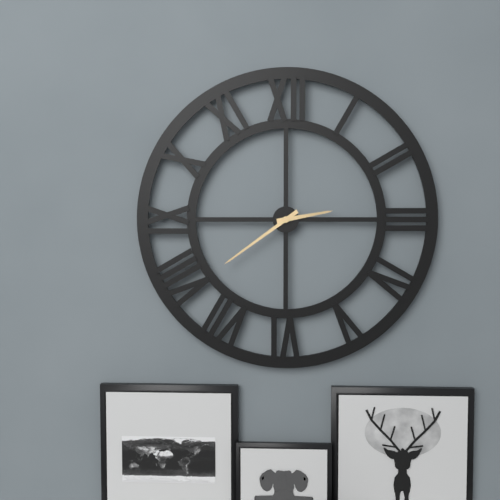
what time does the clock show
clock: 2:39
